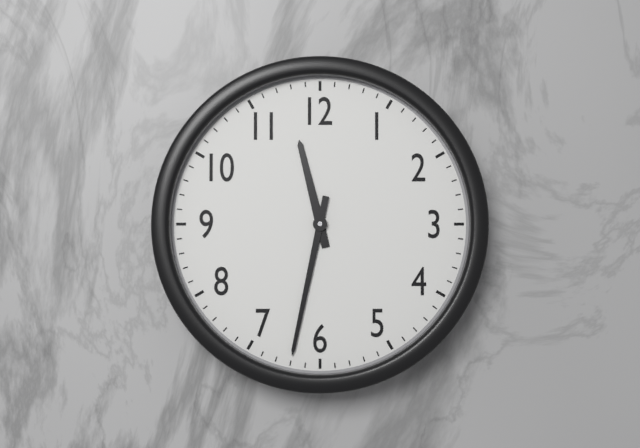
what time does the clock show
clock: 11:32
